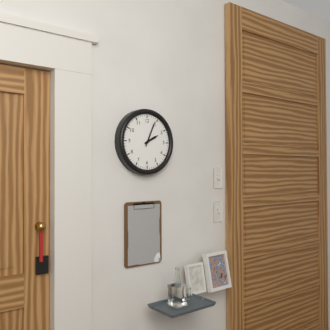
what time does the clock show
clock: 2:04
